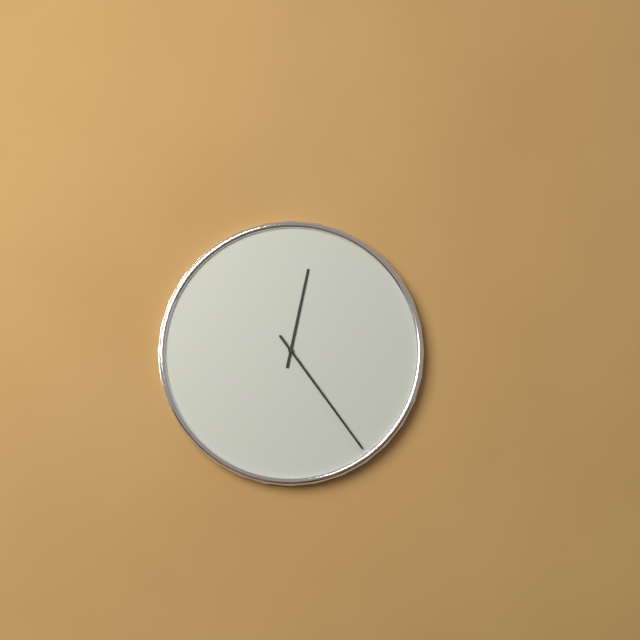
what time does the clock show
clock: 12:24
